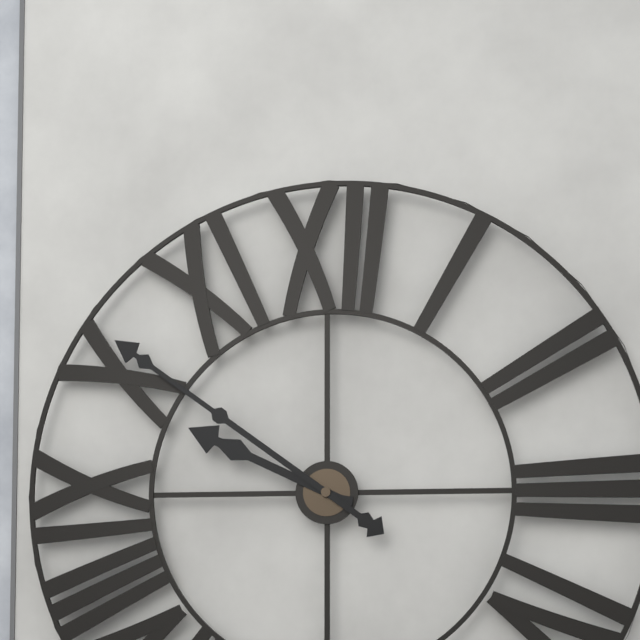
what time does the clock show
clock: 9:51
